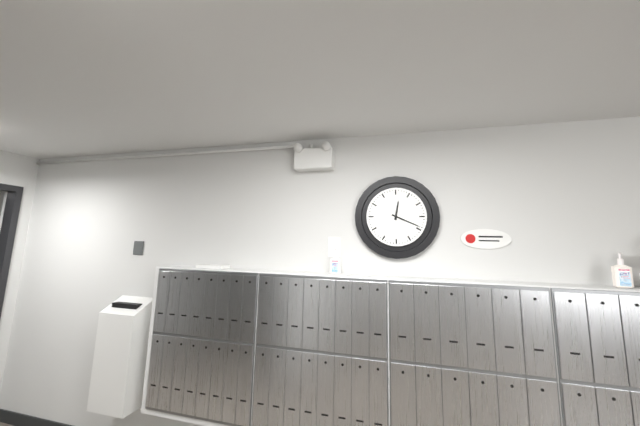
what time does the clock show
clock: 12:19
